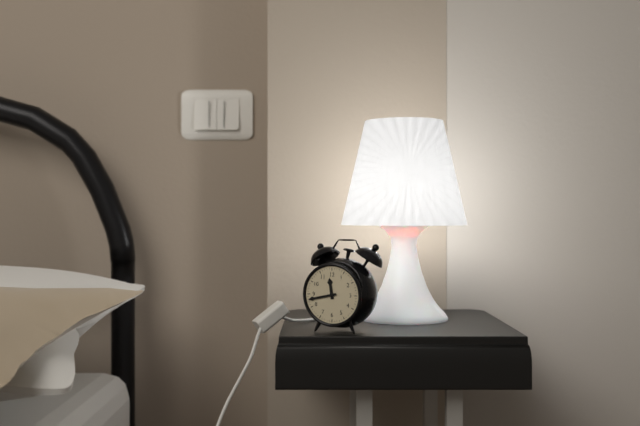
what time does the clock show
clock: 11:43
